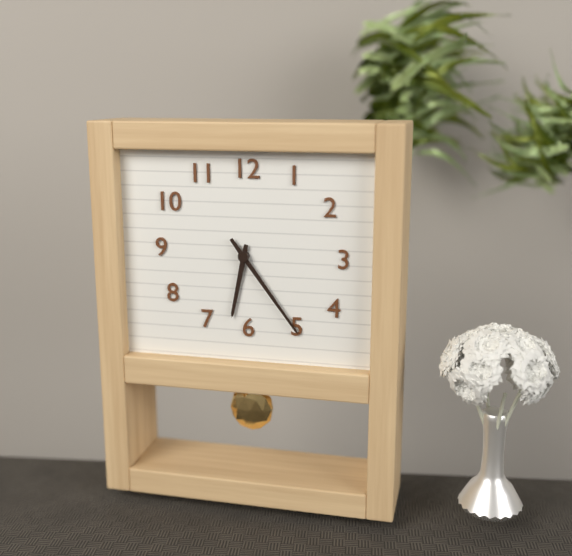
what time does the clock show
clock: 6:24
